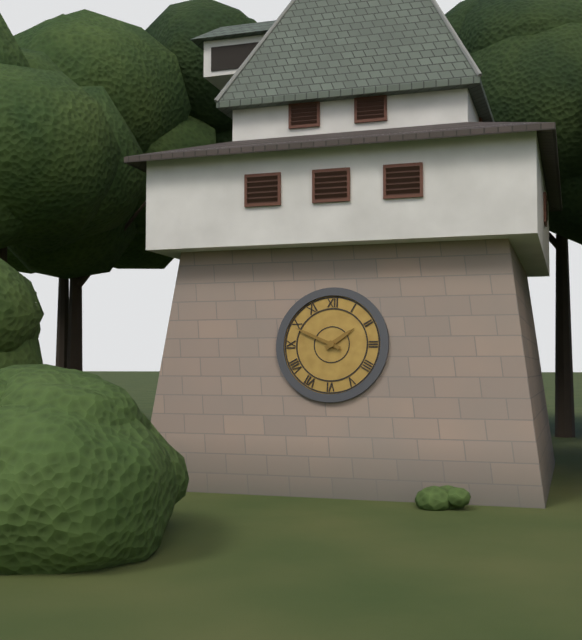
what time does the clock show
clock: 1:49
